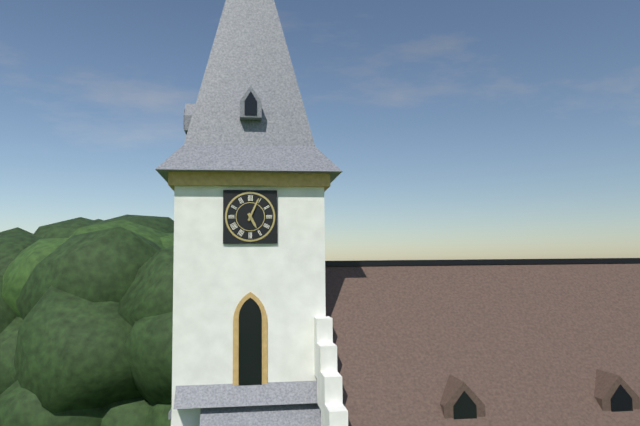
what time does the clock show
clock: 5:04
